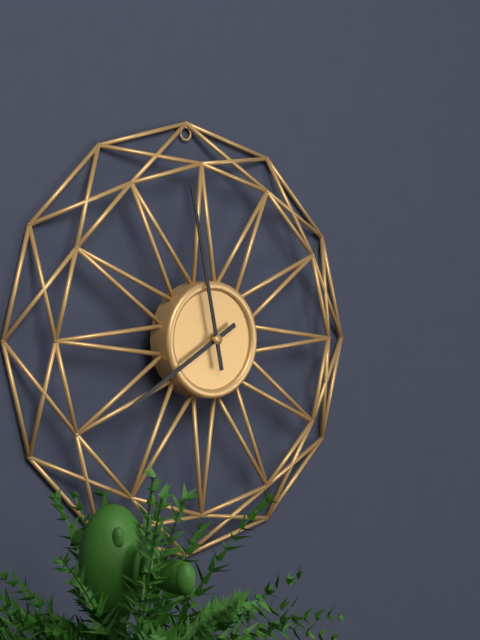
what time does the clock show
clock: 7:58
